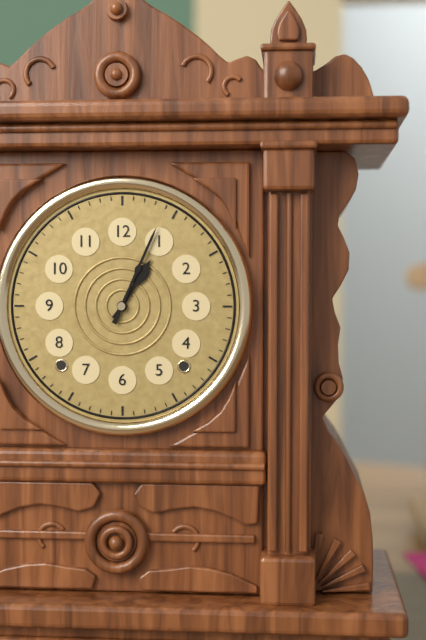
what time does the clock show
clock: 1:04
